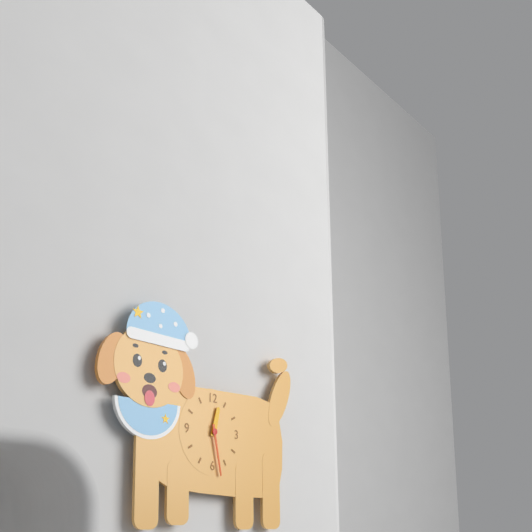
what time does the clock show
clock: 12:28
